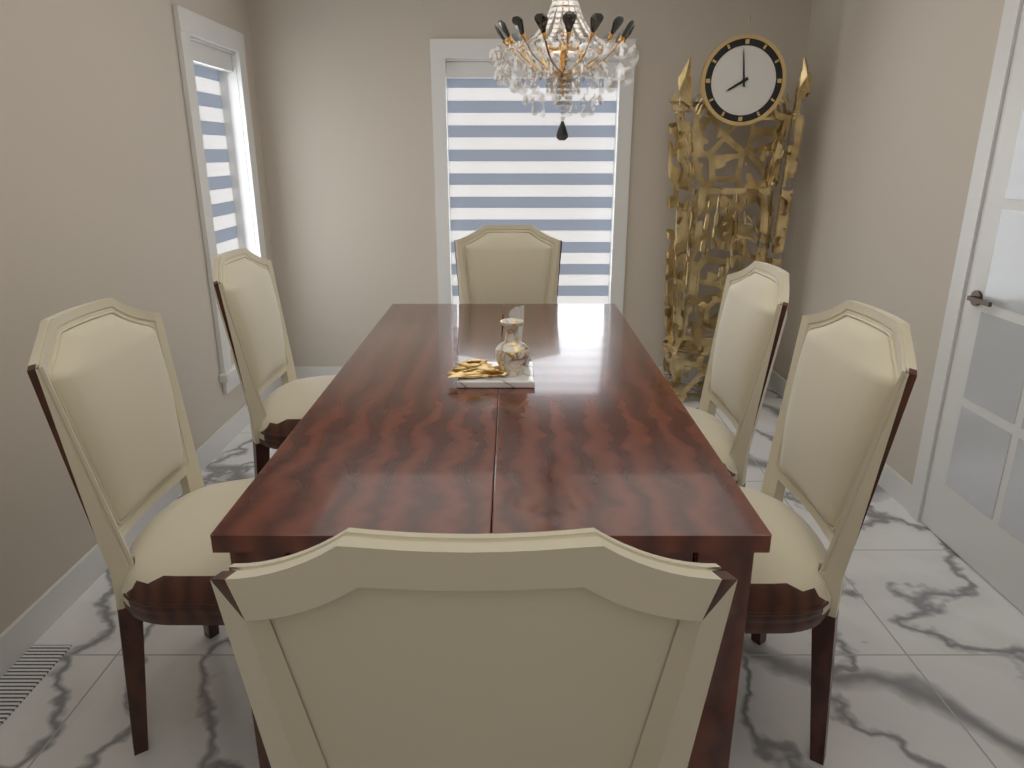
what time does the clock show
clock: 7:59
